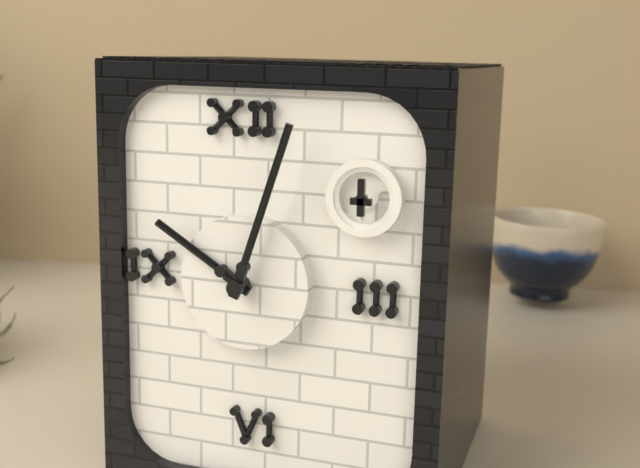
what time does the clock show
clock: 10:03
